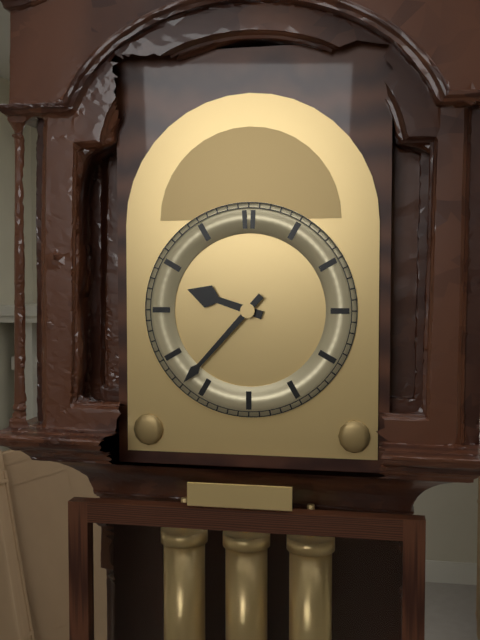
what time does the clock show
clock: 9:37
